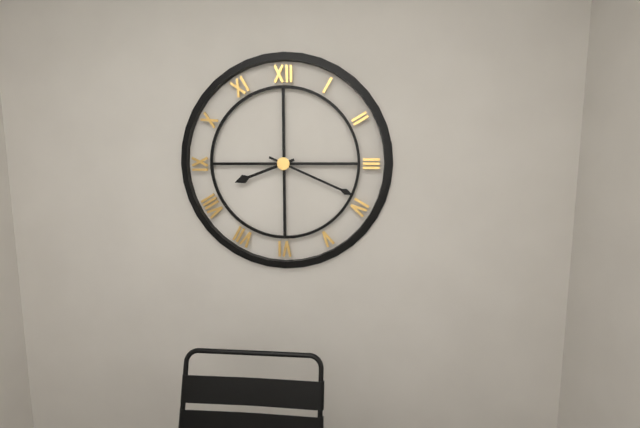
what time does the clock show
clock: 8:19
